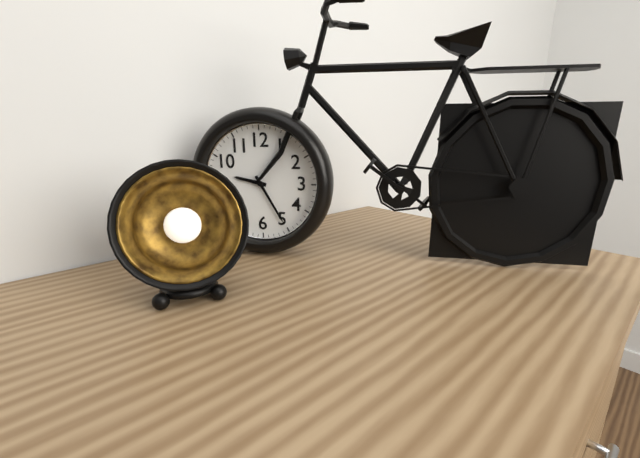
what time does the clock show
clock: 9:25
